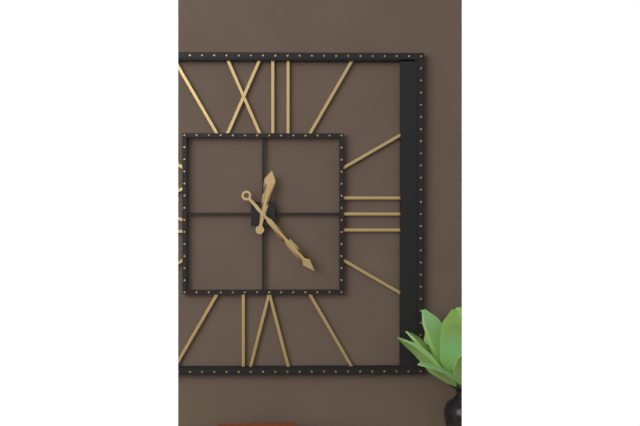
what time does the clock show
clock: 12:23
